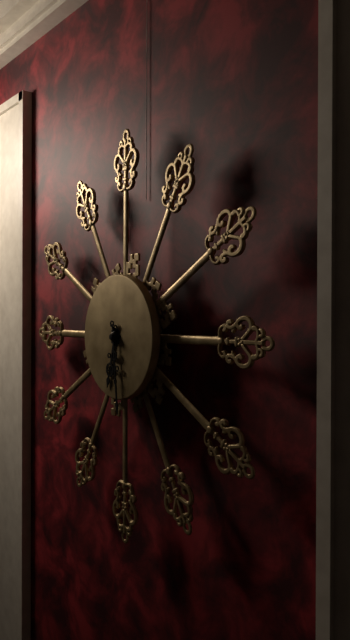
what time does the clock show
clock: 6:29
